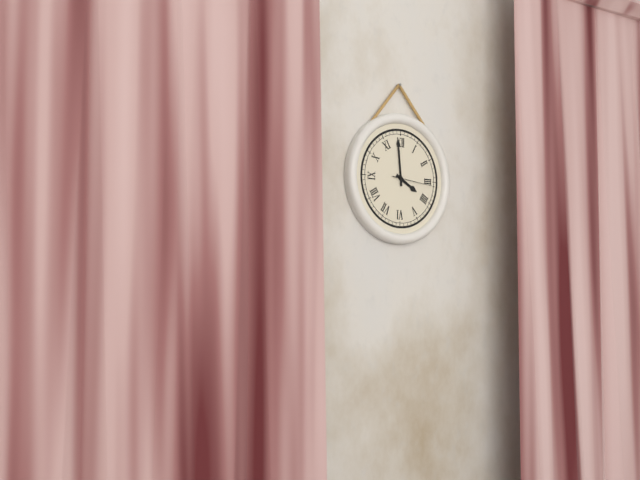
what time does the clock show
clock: 3:59
